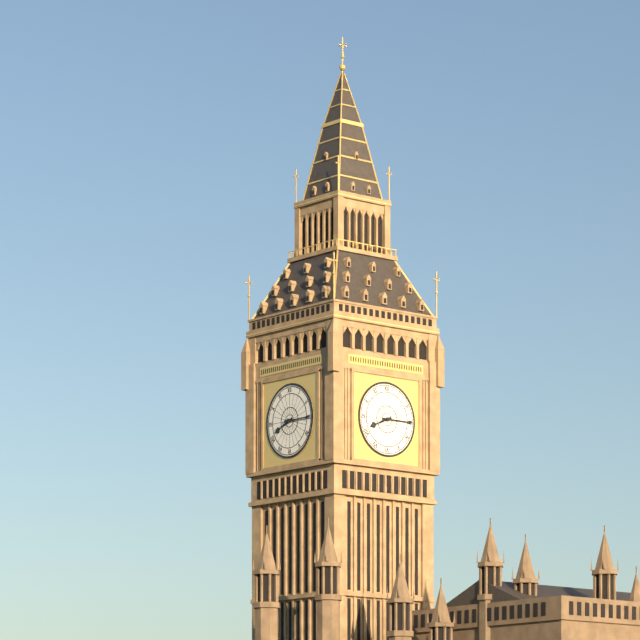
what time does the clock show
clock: 8:15
